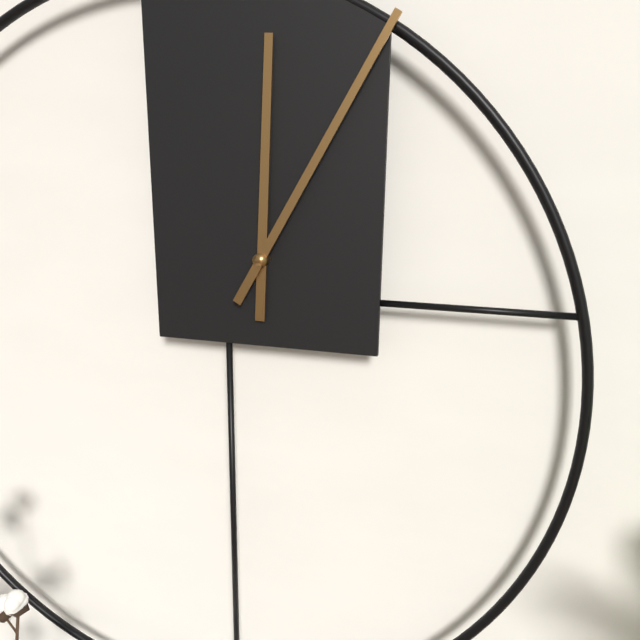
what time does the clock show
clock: 12:05
